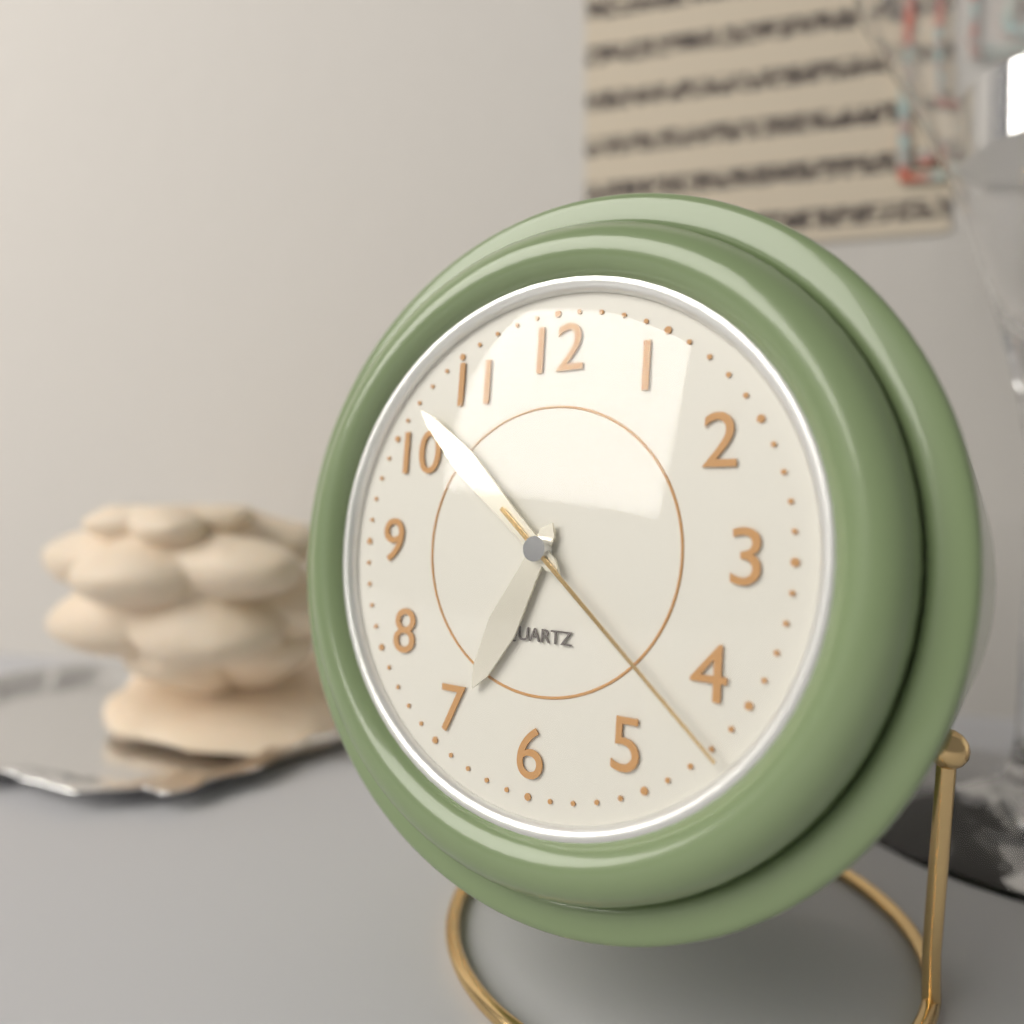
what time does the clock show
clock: 6:52:22
